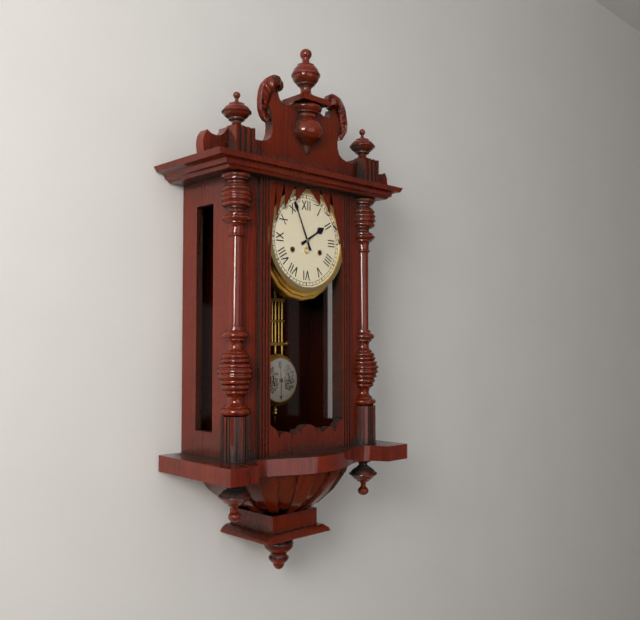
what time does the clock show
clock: 1:56
